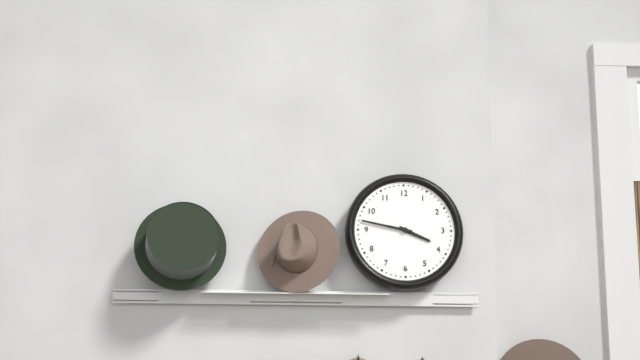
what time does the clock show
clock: 3:47
